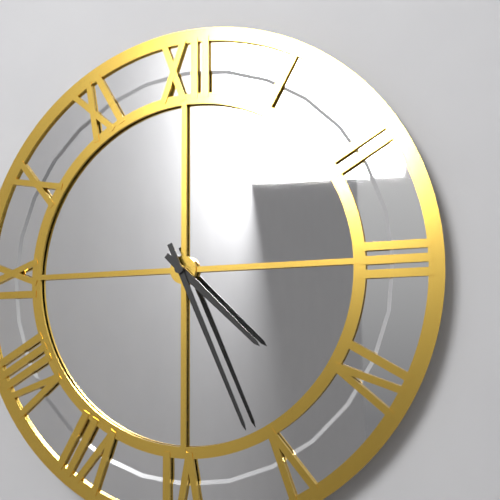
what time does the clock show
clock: 4:26
